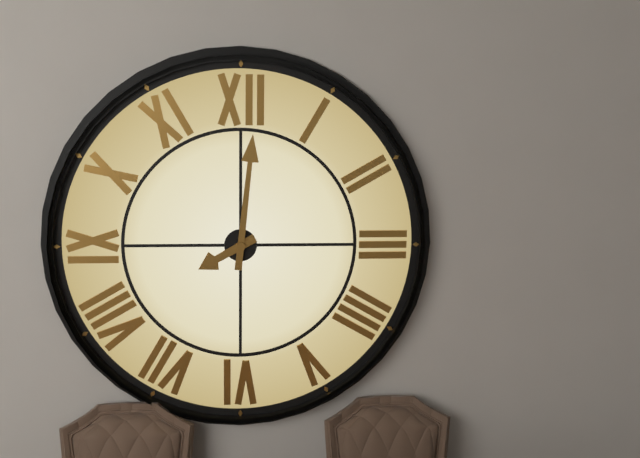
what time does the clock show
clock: 8:01
